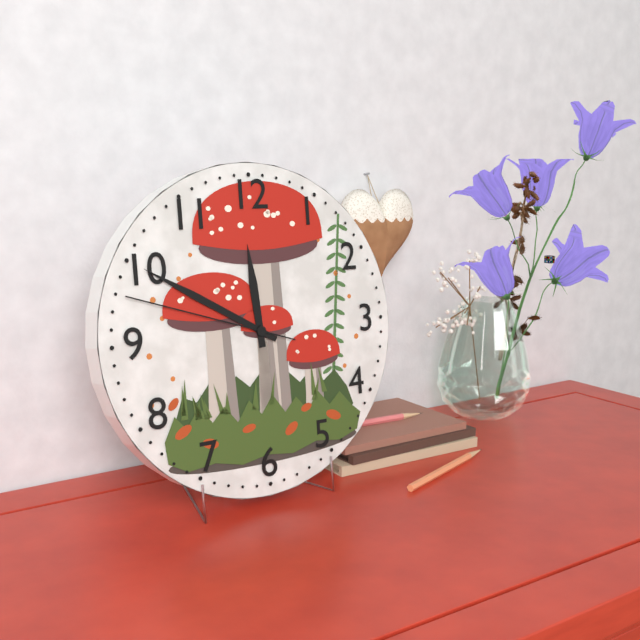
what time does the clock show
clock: 11:50:48
